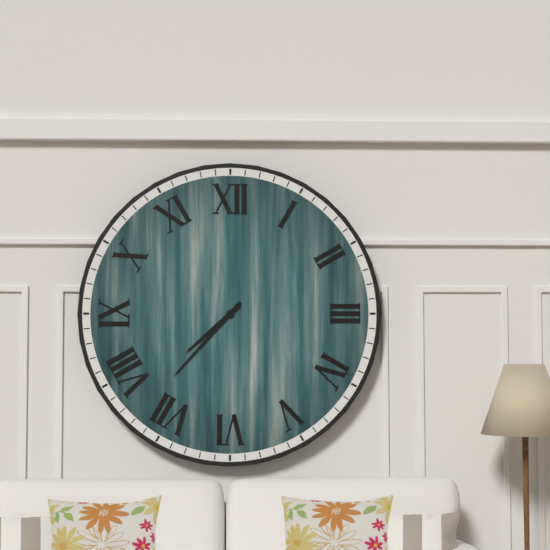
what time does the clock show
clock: 7:37
